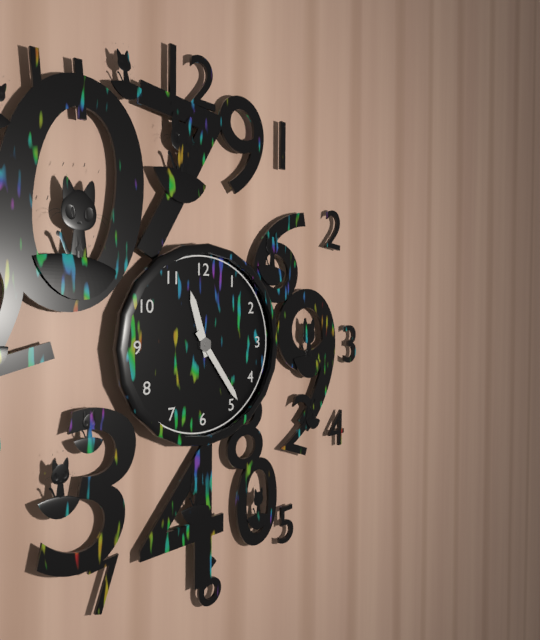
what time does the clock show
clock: 11:24
